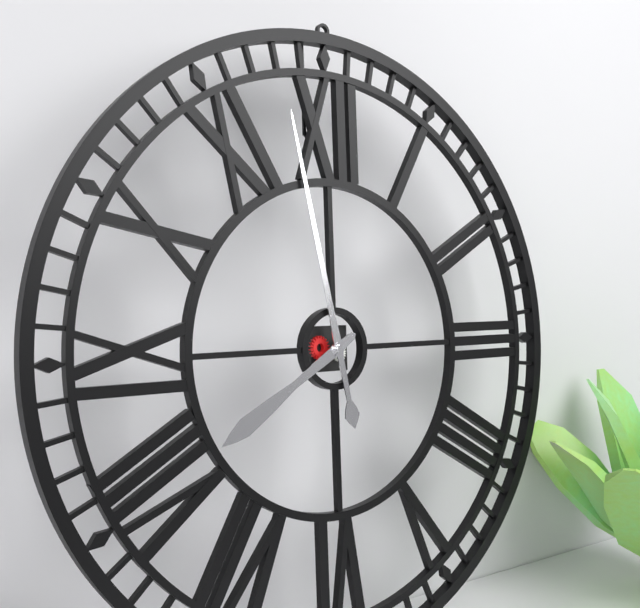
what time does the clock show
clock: 7:58
